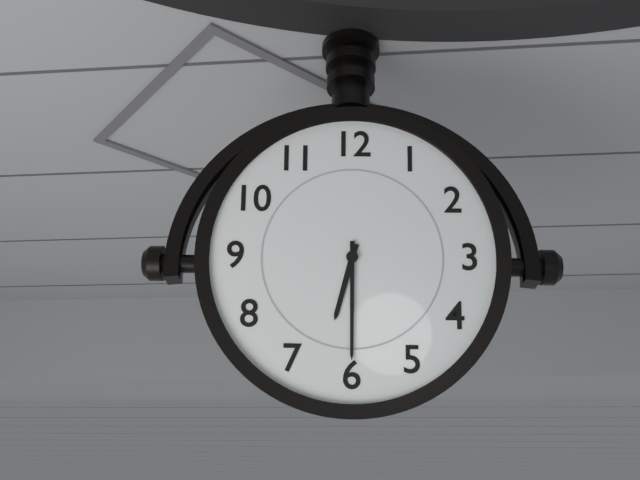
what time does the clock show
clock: 6:30
